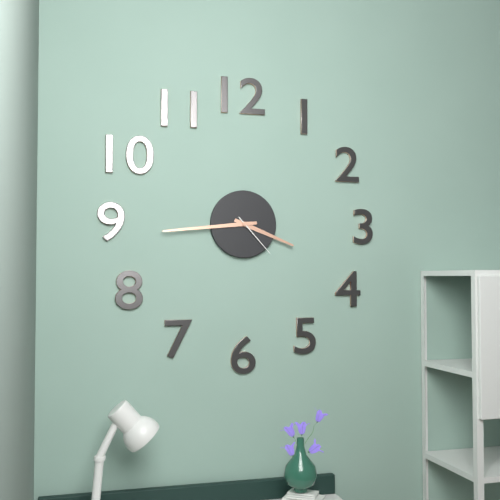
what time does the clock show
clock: 3:44
